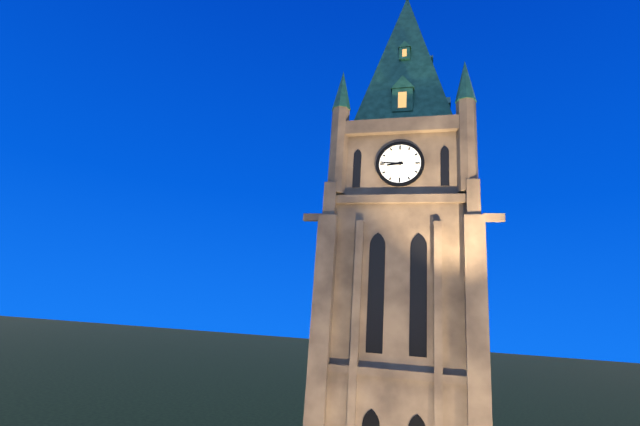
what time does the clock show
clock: 8:46
